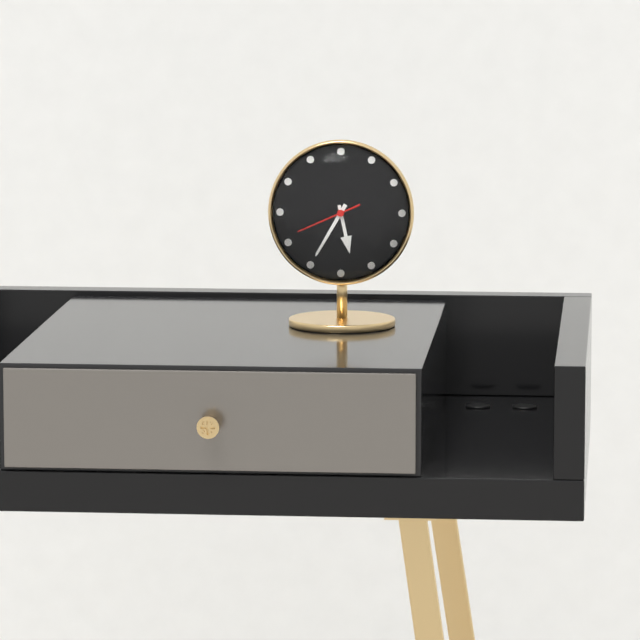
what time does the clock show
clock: 5:35:41
